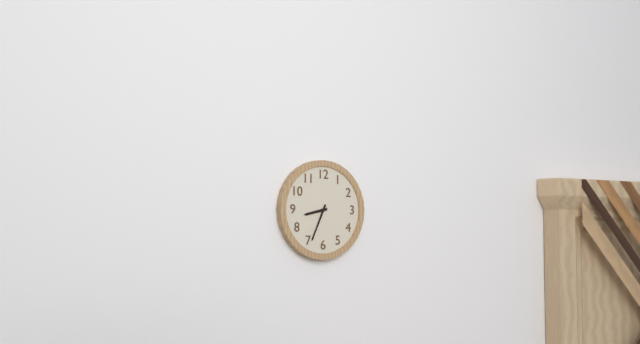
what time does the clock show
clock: 8:34
